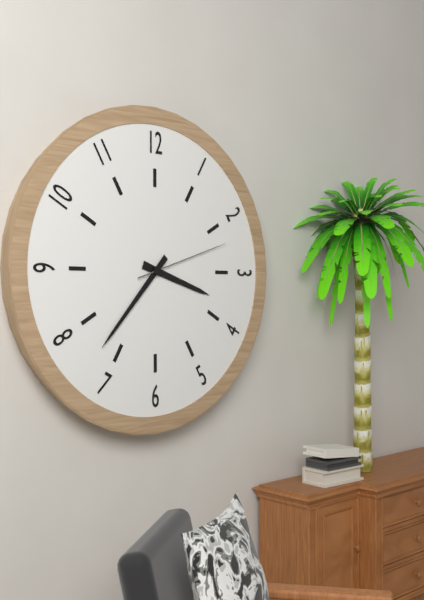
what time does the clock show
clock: 3:37:12
